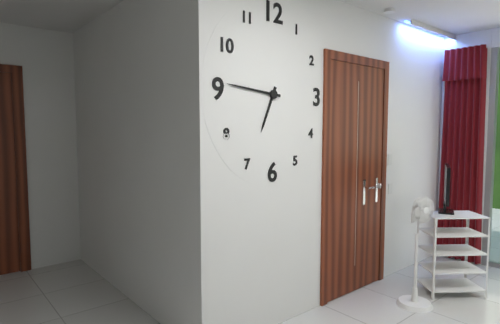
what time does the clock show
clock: 6:46
